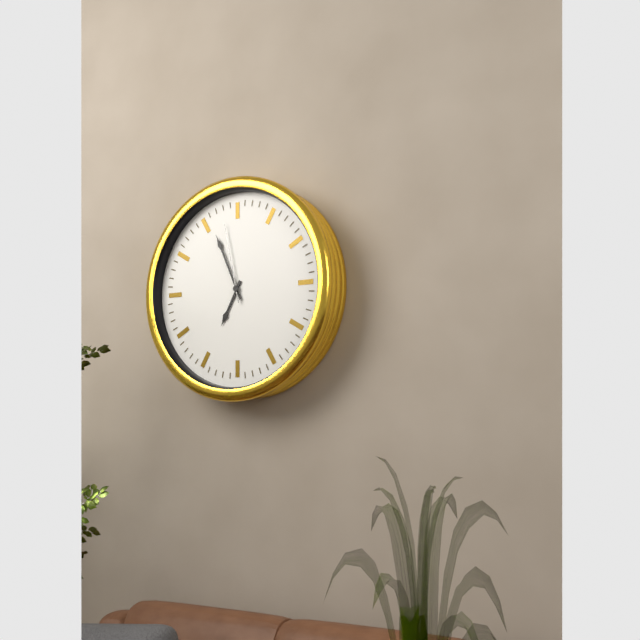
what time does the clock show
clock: 6:56:58
